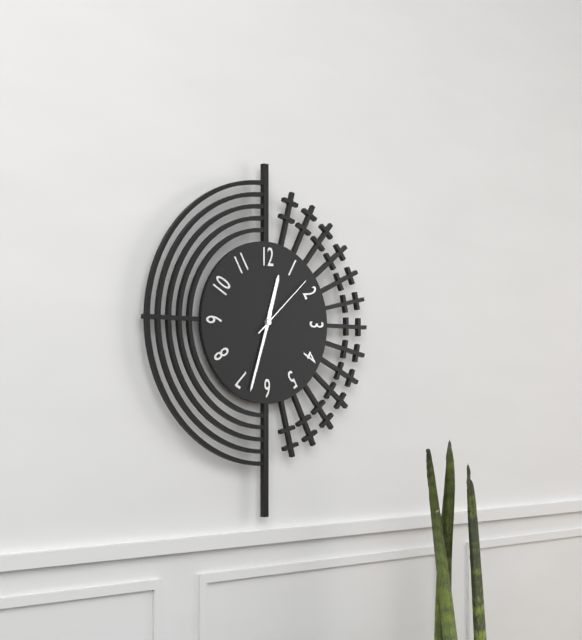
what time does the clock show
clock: 12:33:08
